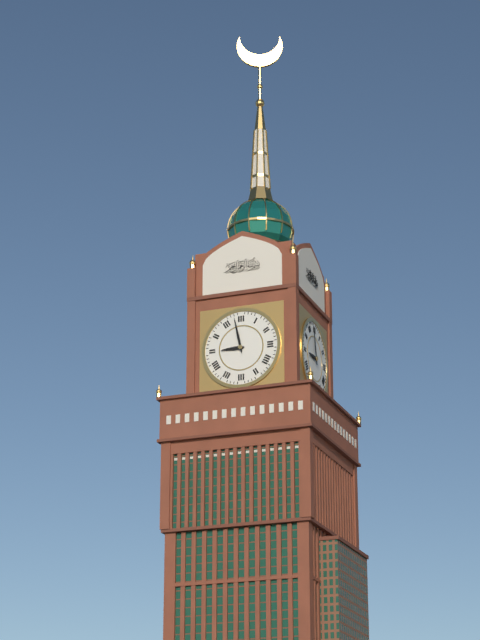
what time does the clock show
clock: 8:58
